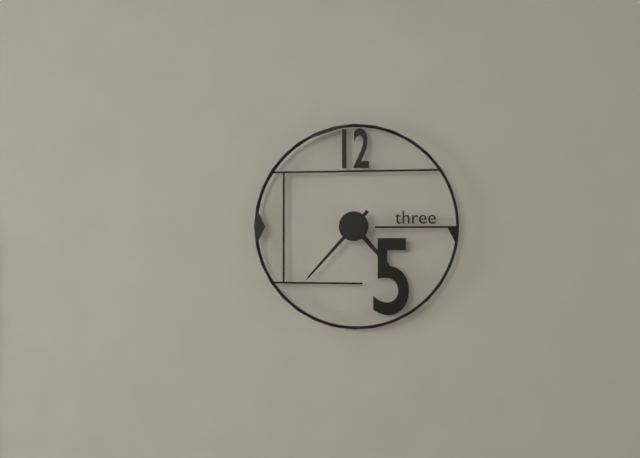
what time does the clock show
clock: 4:37
